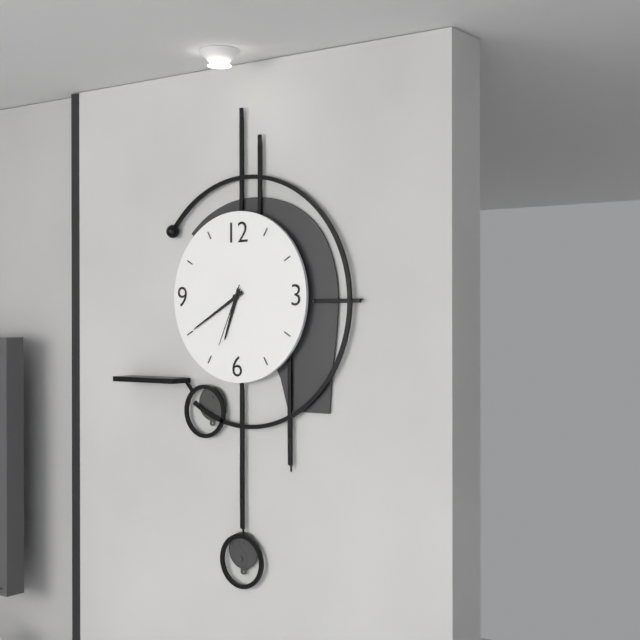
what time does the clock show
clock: 6:40:34
